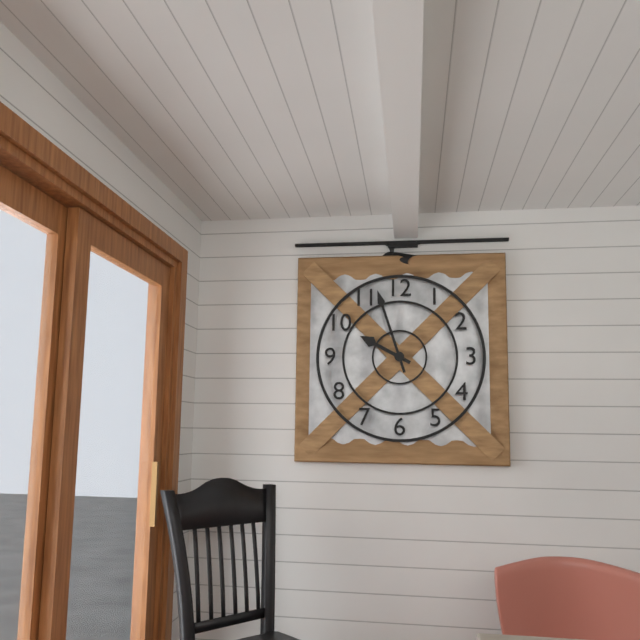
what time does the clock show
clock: 9:57
